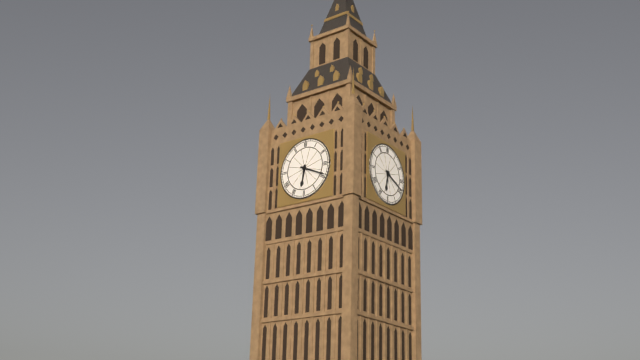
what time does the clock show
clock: 6:19
